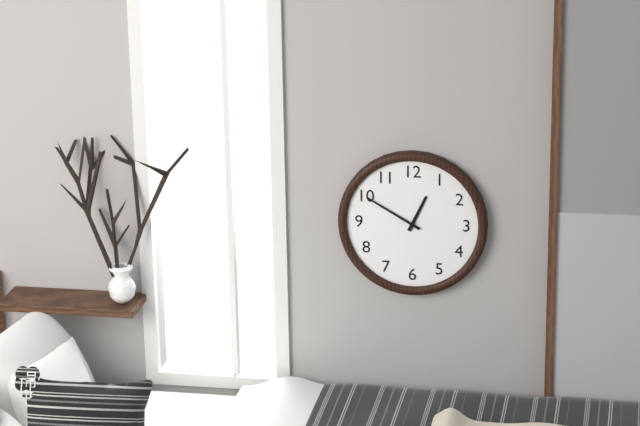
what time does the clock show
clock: 12:50
